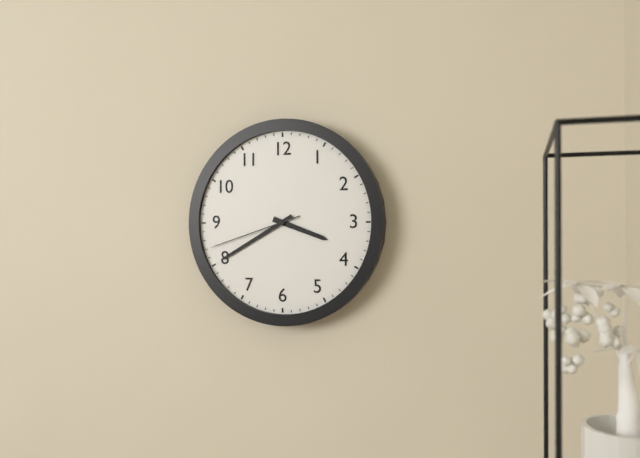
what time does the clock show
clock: 3:40:42
